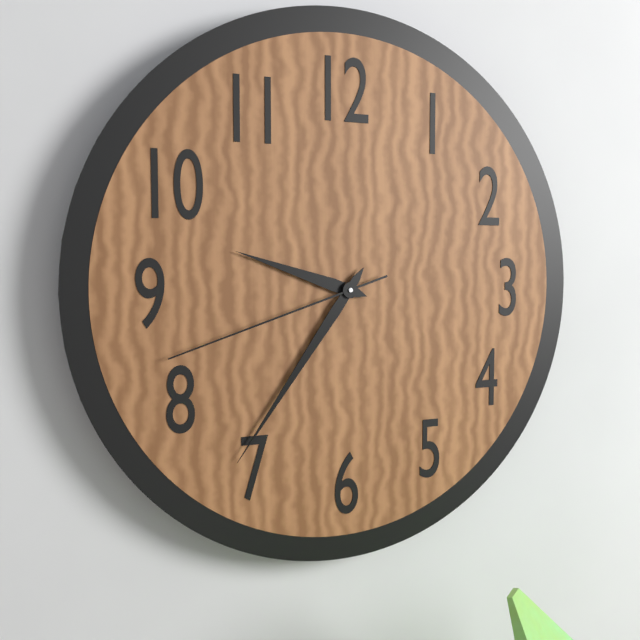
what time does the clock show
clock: 9:36:42
